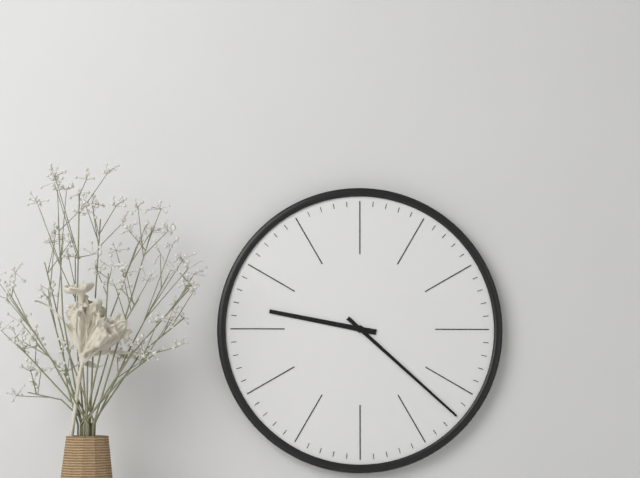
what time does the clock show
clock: 9:22
